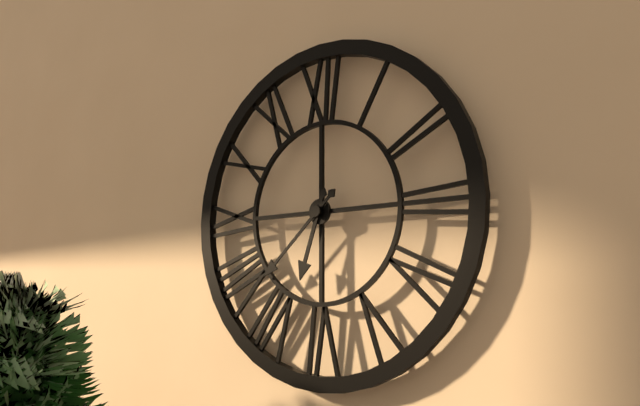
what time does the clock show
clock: 6:38
